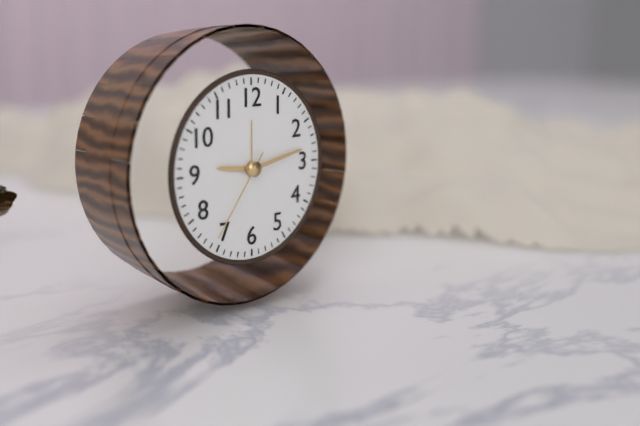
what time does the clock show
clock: 9:13:36
